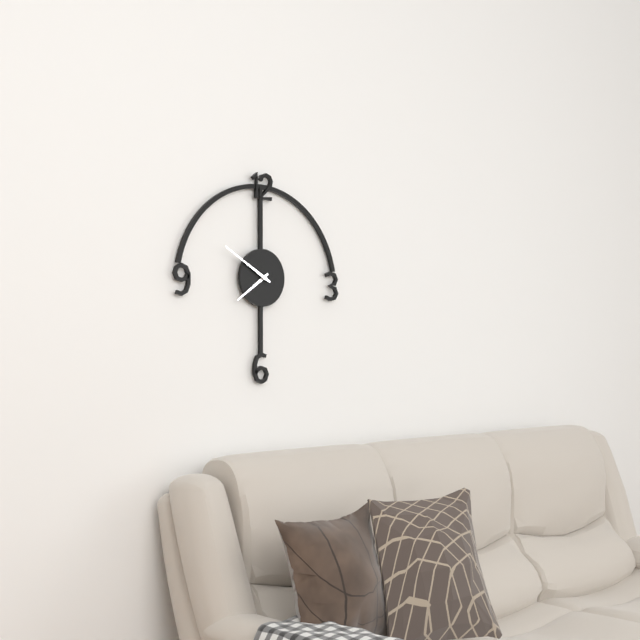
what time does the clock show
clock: 7:50
